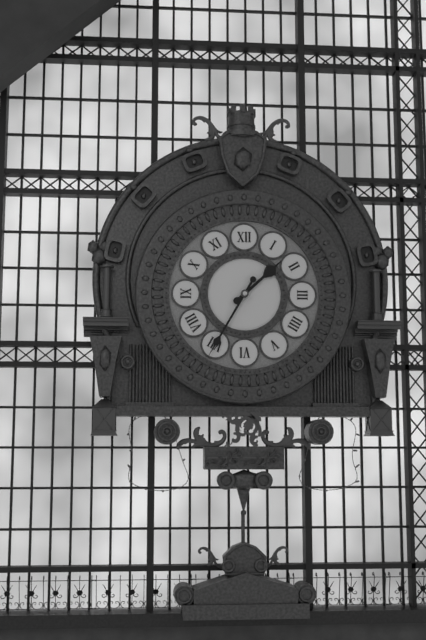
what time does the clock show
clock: 1:35
